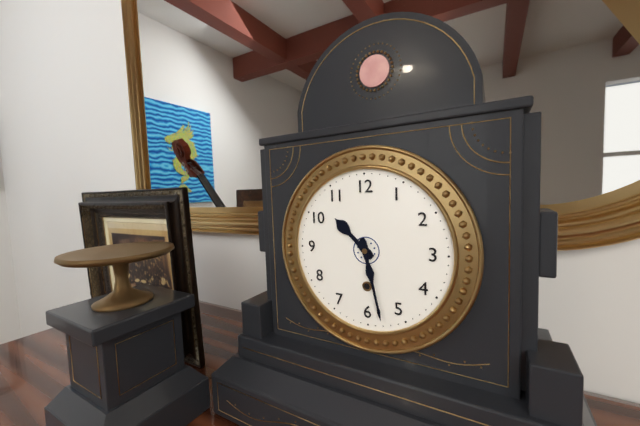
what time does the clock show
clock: 10:28
